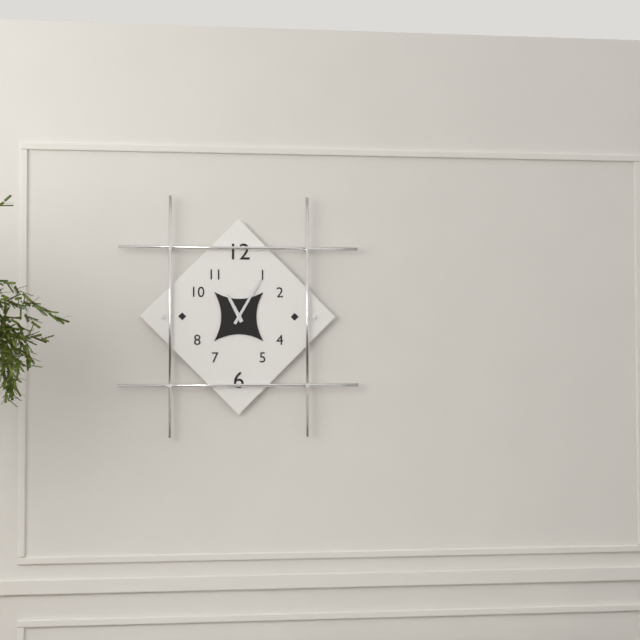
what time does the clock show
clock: 11:05
